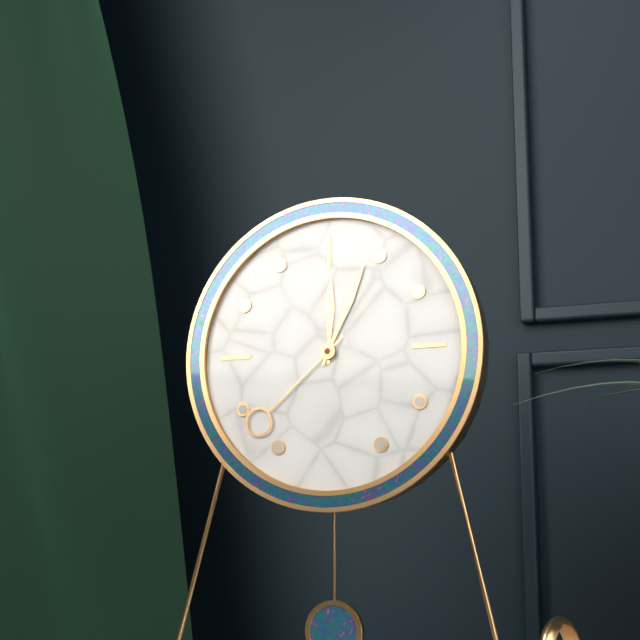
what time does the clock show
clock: 12:04:38
